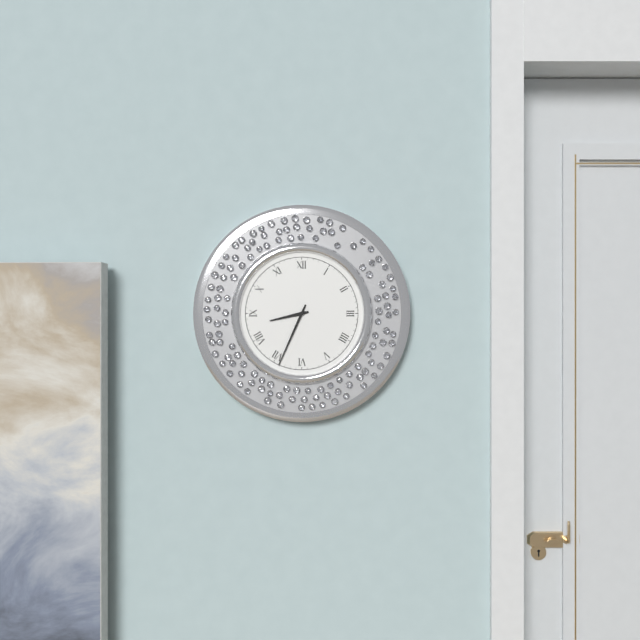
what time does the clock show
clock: 8:34
